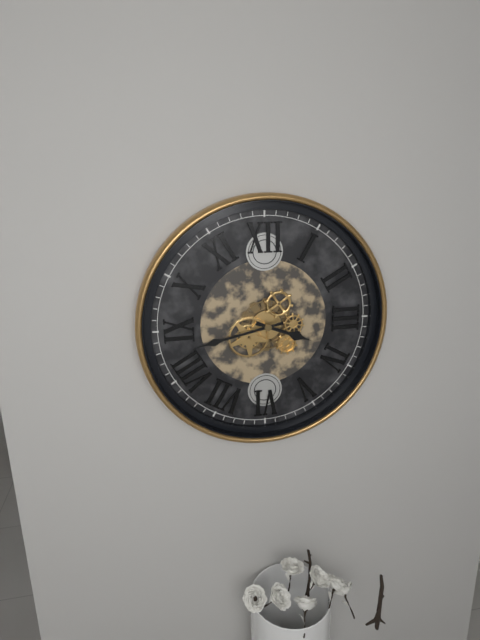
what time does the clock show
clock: 3:43
